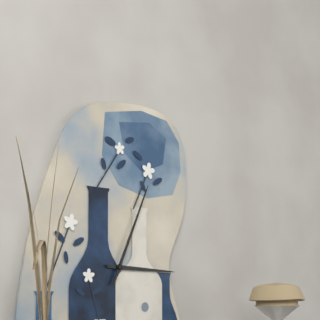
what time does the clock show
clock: 3:04
